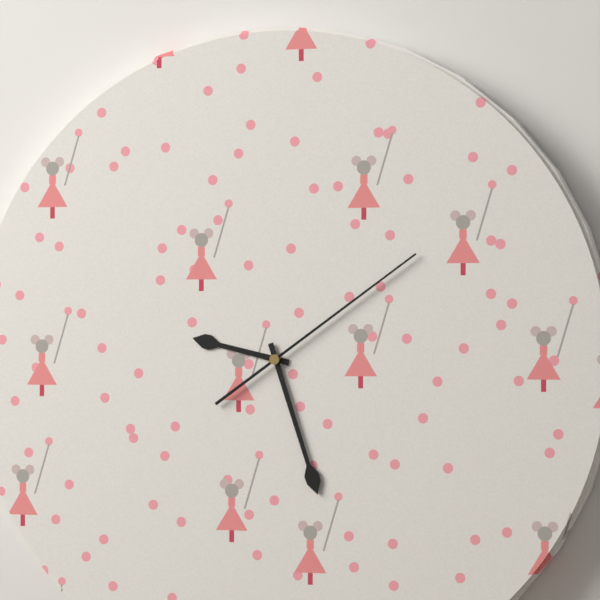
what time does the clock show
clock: 9:27:09
